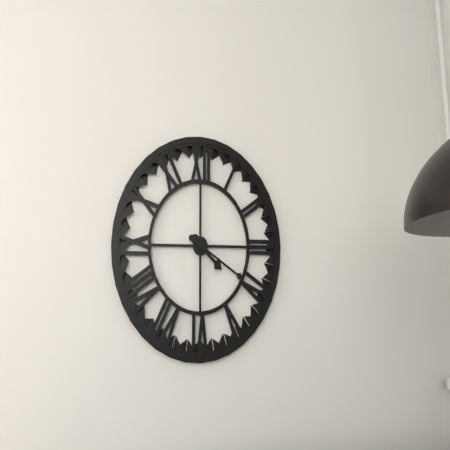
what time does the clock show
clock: 4:20
